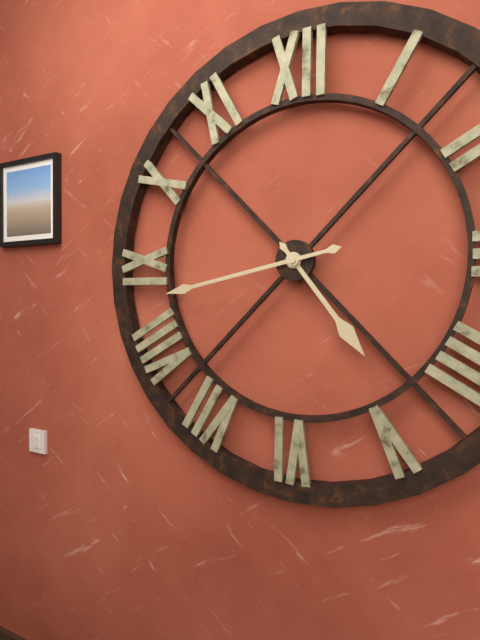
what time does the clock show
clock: 4:43
